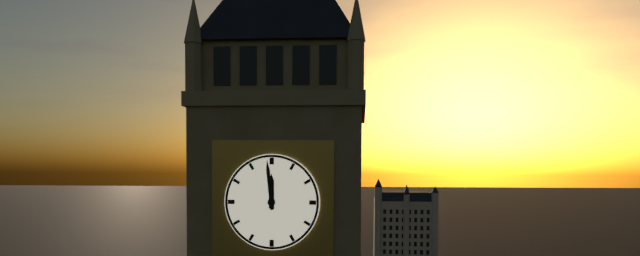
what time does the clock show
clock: 11:59
